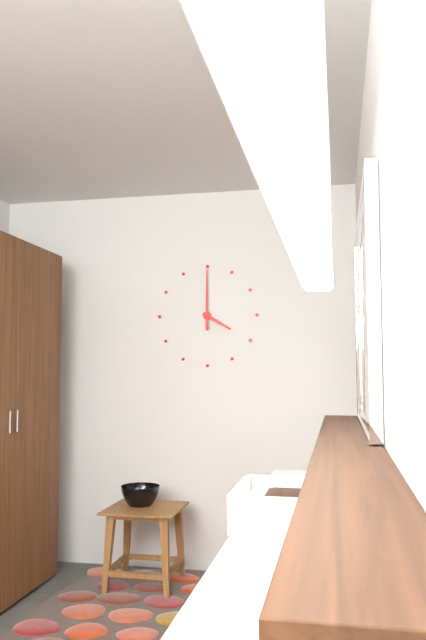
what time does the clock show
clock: 4:00
